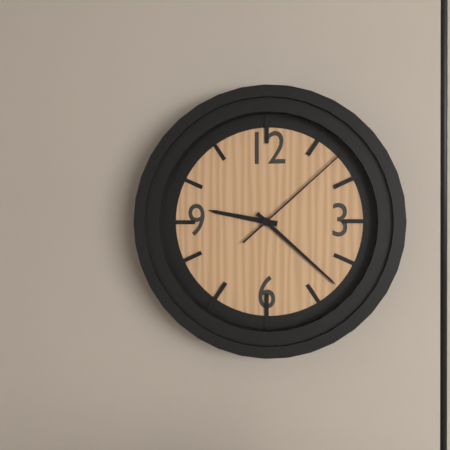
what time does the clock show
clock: 9:22:08
